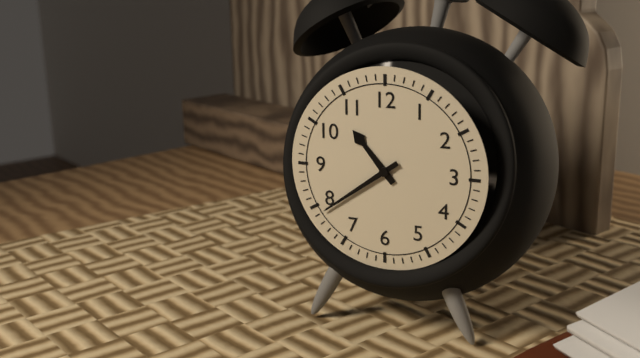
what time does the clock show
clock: 10:39
